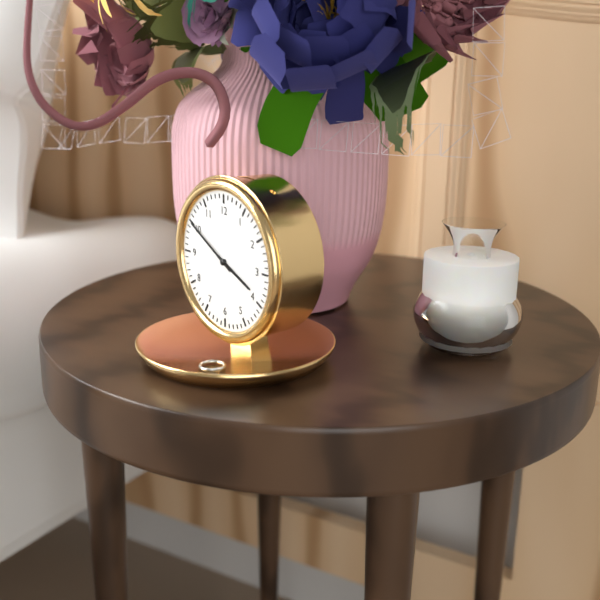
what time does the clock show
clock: 3:50
